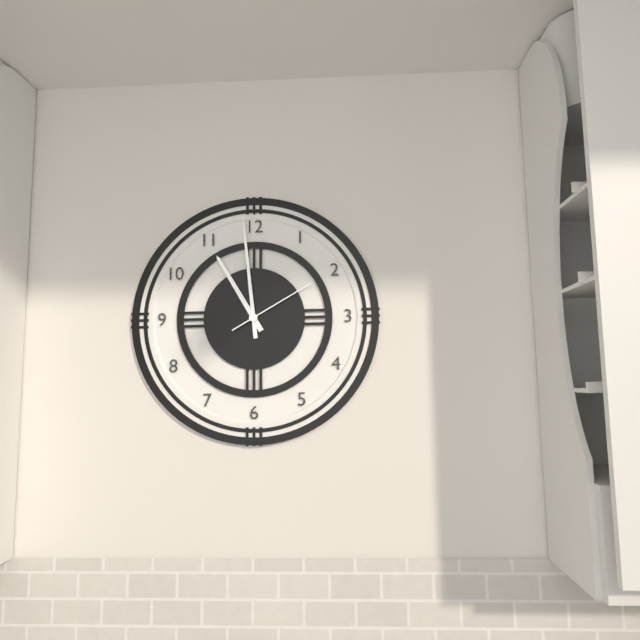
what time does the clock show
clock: 10:59:10
